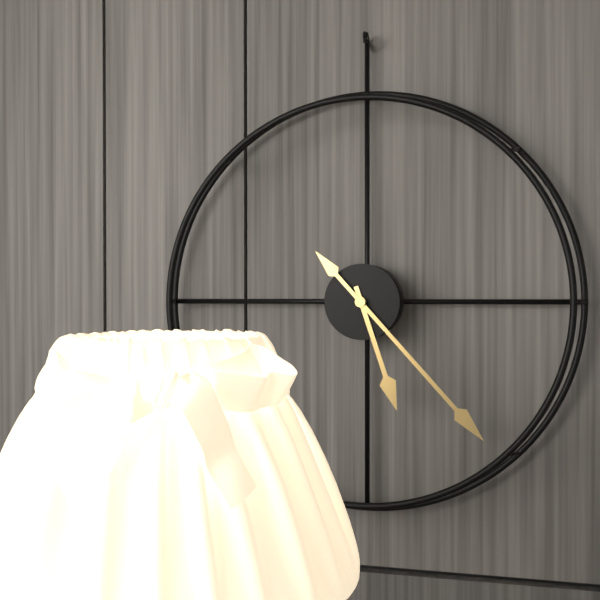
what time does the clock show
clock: 5:23
